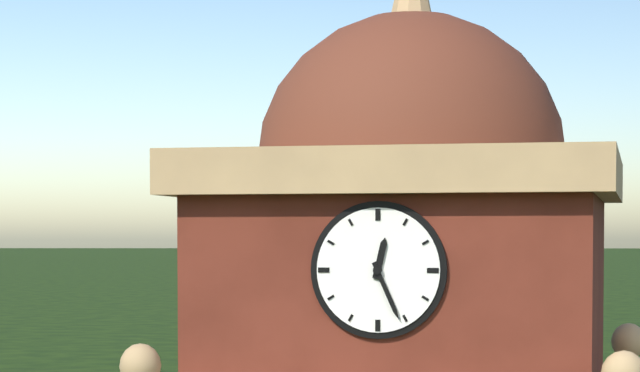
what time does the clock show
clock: 12:26
